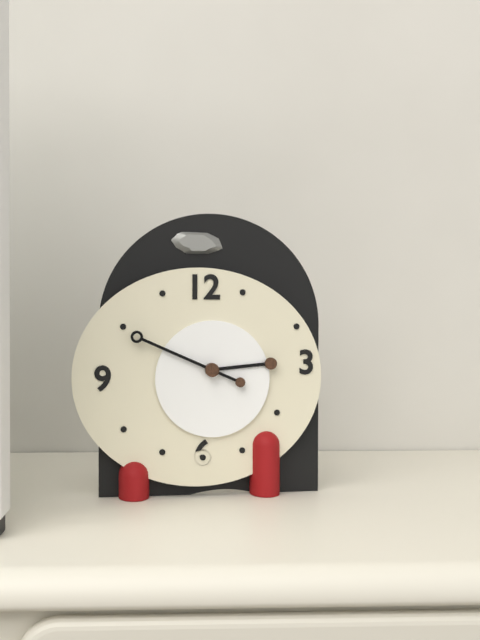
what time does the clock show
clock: 2:49
